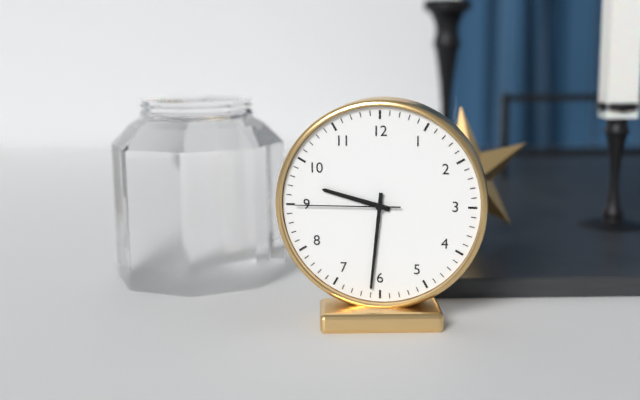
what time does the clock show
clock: 9:31:45
